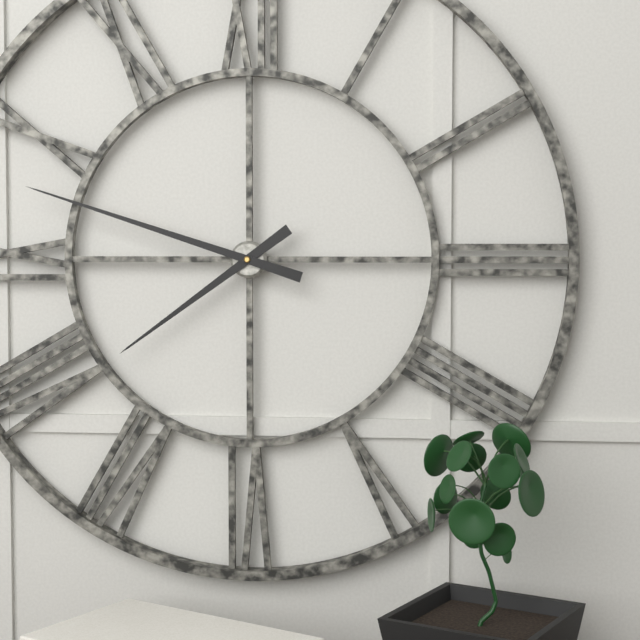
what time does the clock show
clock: 7:48
